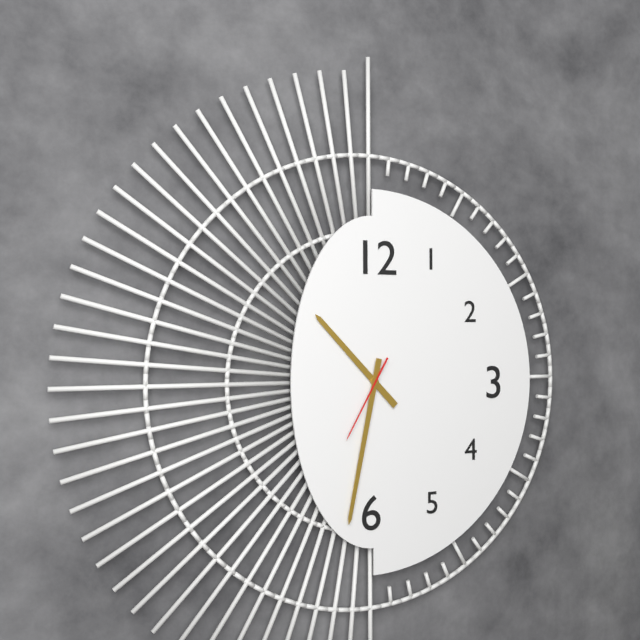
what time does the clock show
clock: 10:32:35
